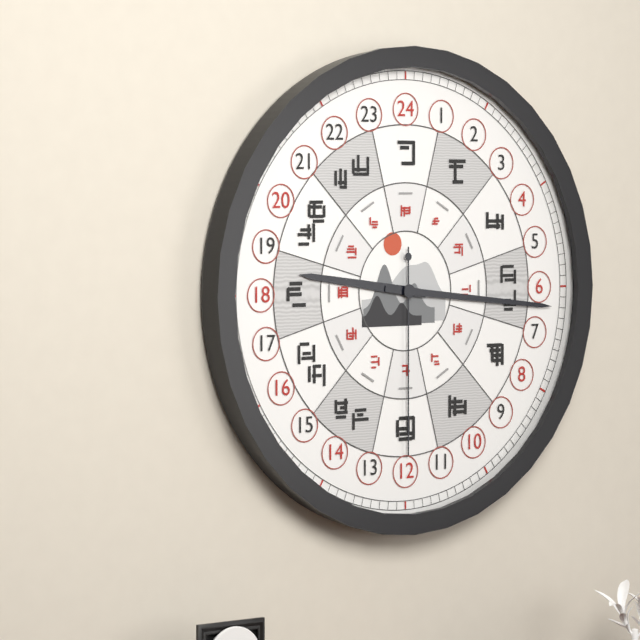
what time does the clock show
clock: 9:16:30
